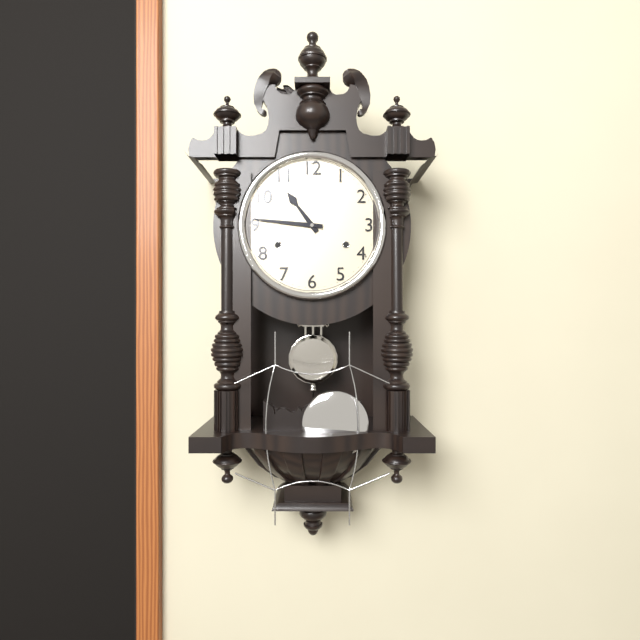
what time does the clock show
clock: 10:46
